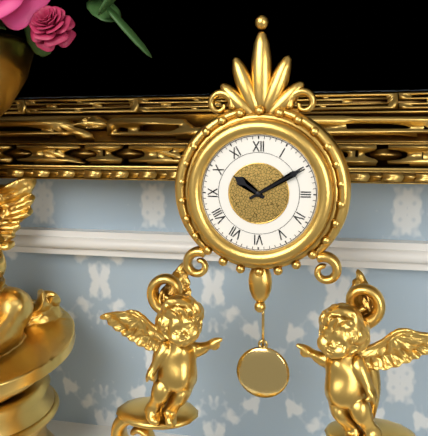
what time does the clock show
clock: 10:10
